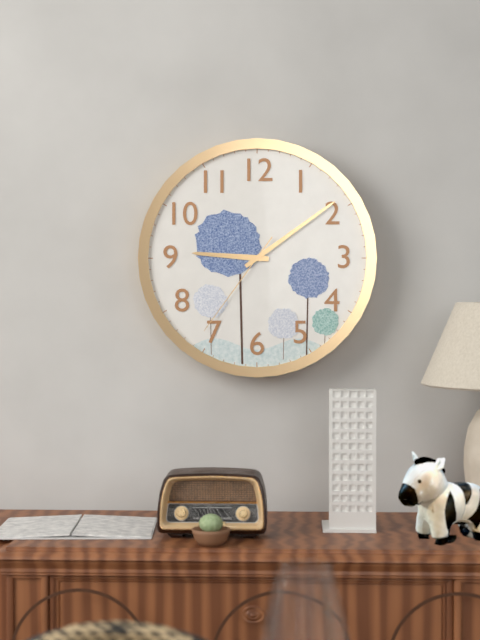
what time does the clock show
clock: 9:09:36
